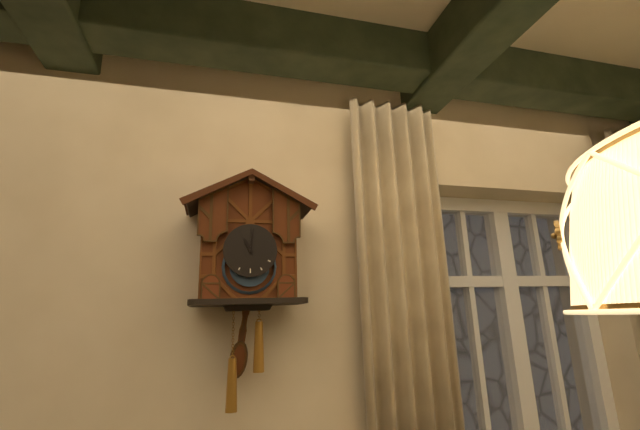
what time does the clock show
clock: 11:01
